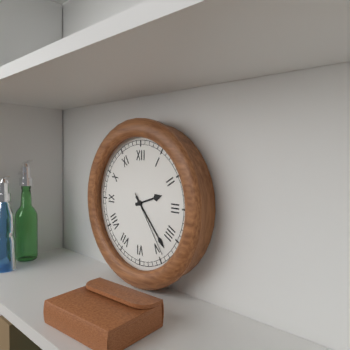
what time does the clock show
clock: 2:23:24
